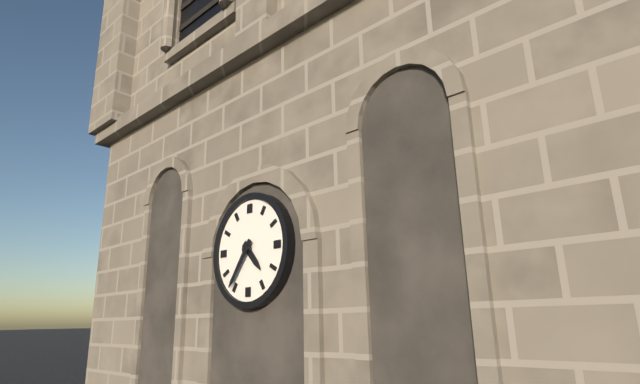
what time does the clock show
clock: 4:36
